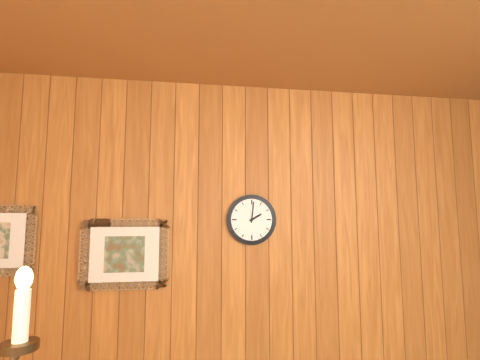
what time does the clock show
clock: 2:01
